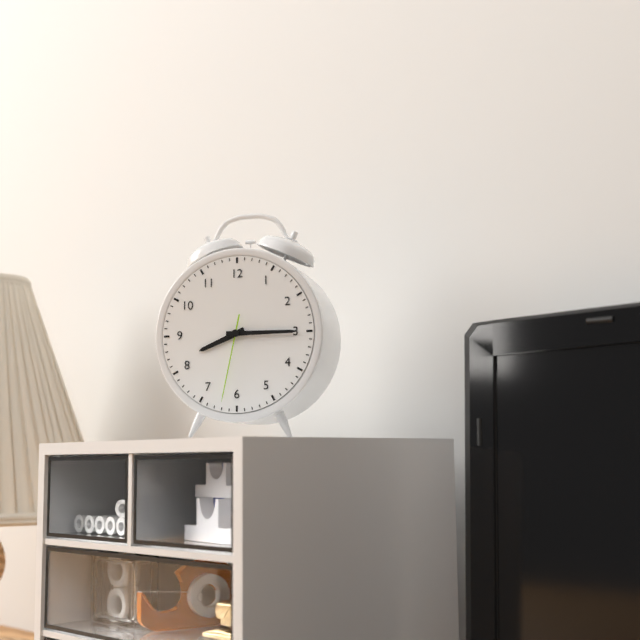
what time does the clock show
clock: 8:15:32
